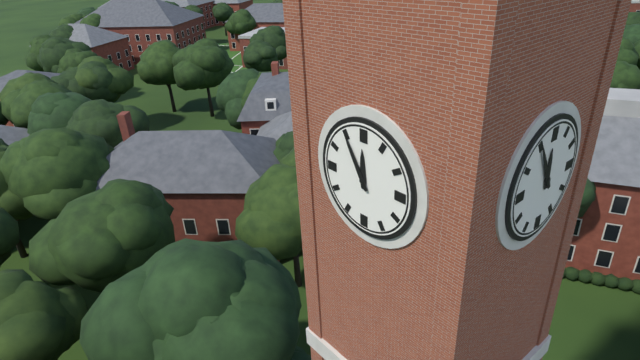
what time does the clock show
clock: 11:55
